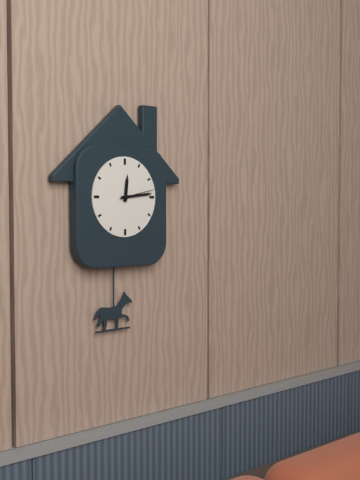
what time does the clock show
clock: 12:14
